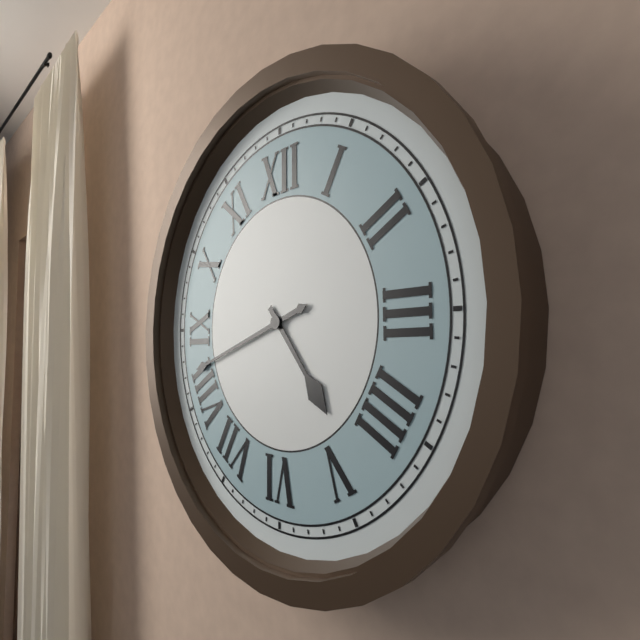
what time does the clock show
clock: 4:42
